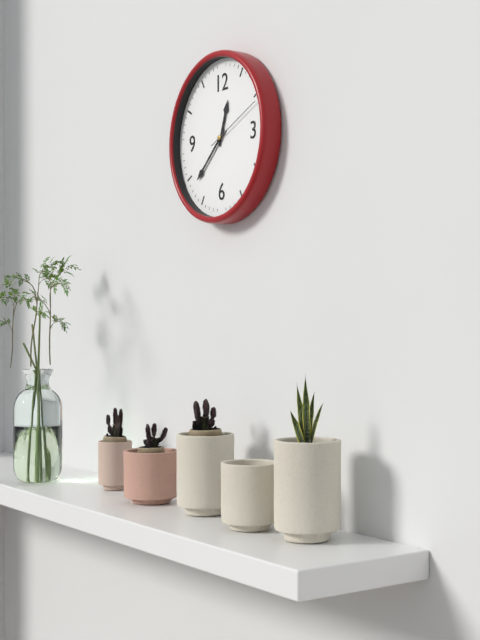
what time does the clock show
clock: 12:38:11
